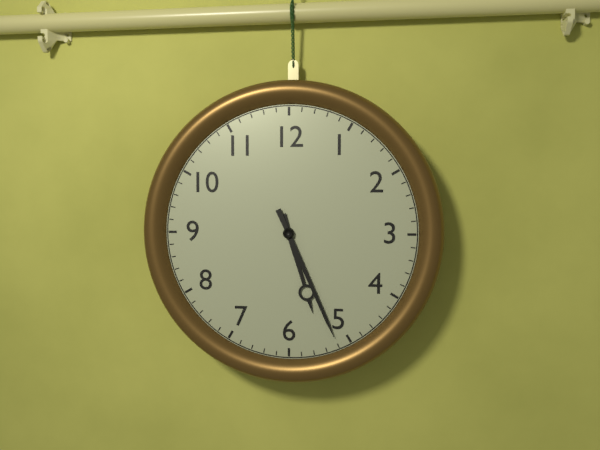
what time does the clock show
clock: 5:26
